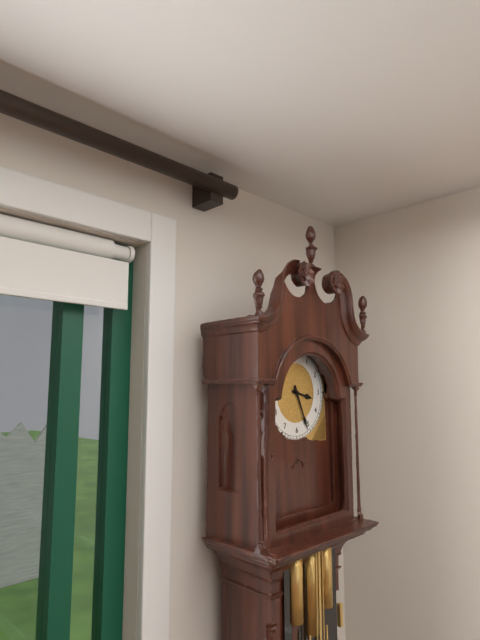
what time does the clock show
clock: 3:26
